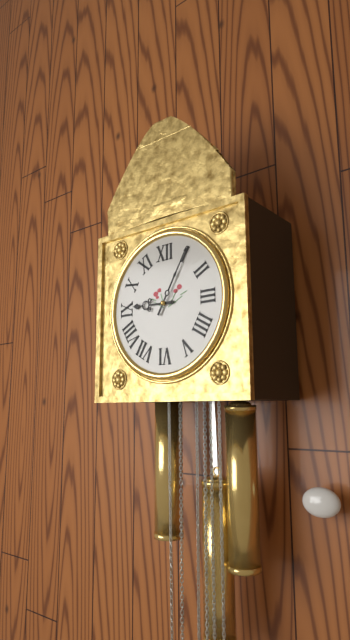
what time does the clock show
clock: 9:05
